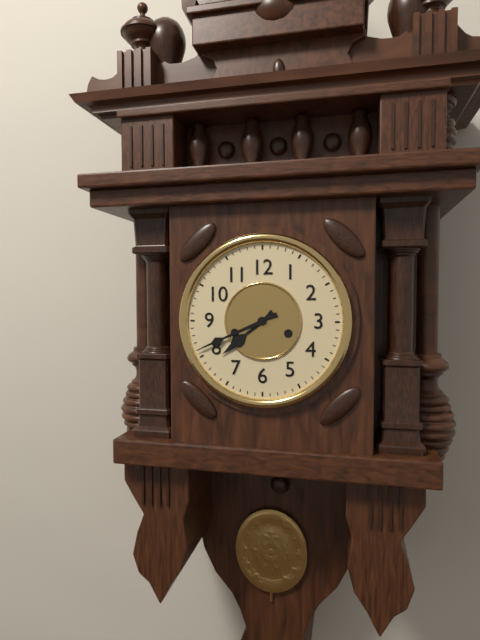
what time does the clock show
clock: 7:41
